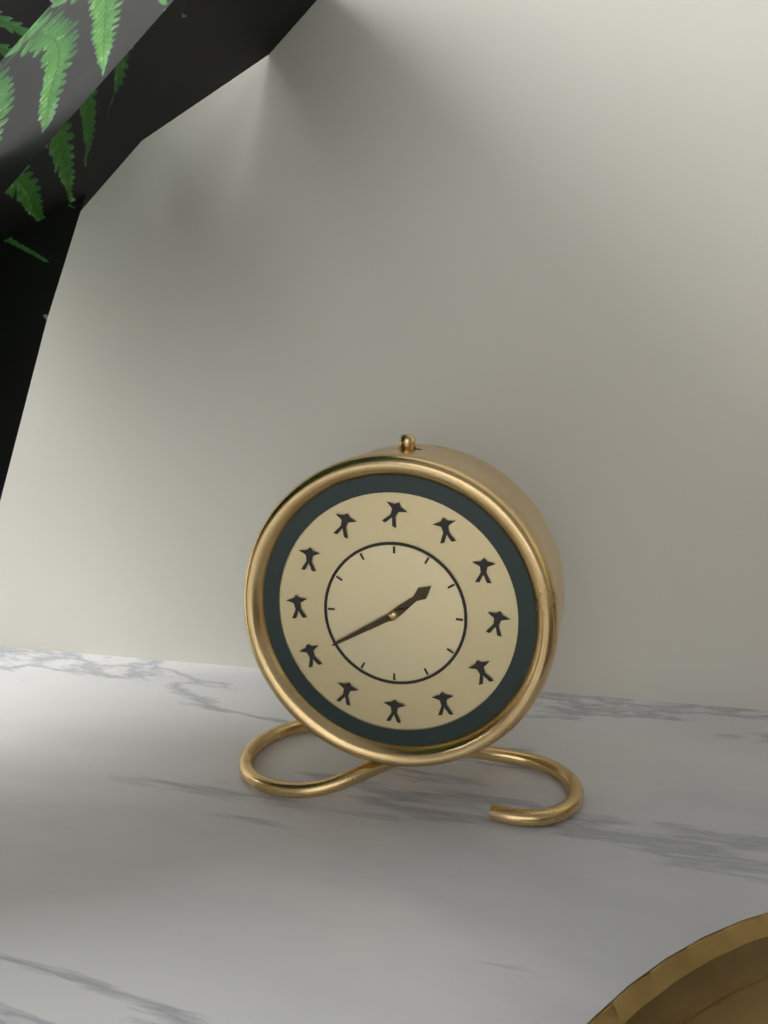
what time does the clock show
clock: 1:40
